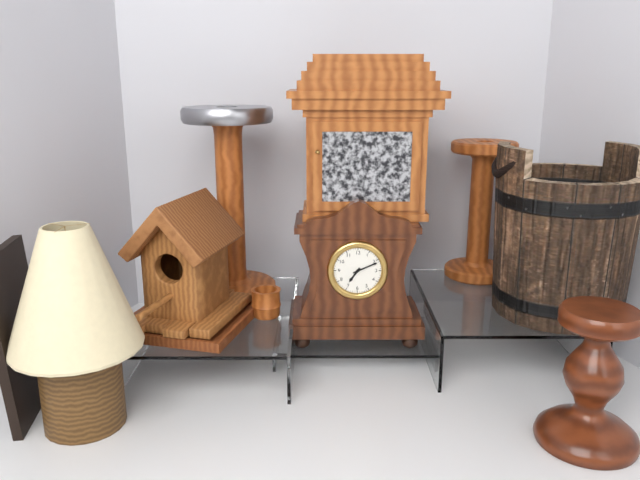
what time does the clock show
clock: 7:11
